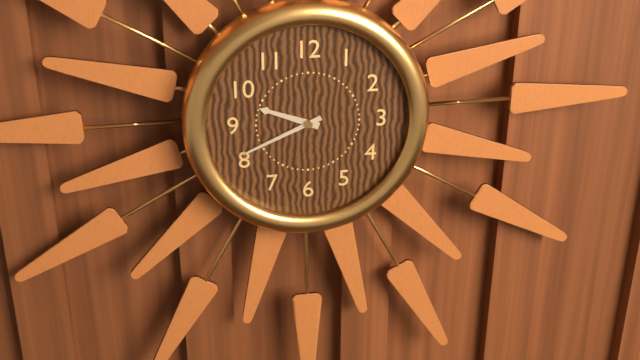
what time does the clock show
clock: 9:41
